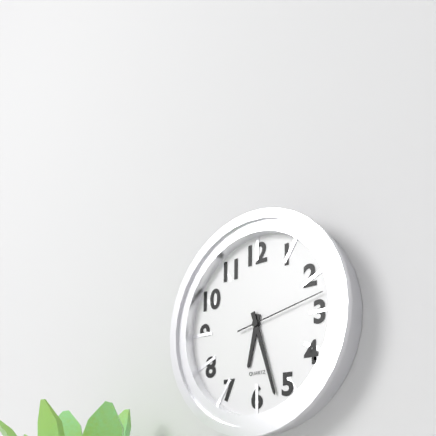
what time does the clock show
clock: 6:27:13
